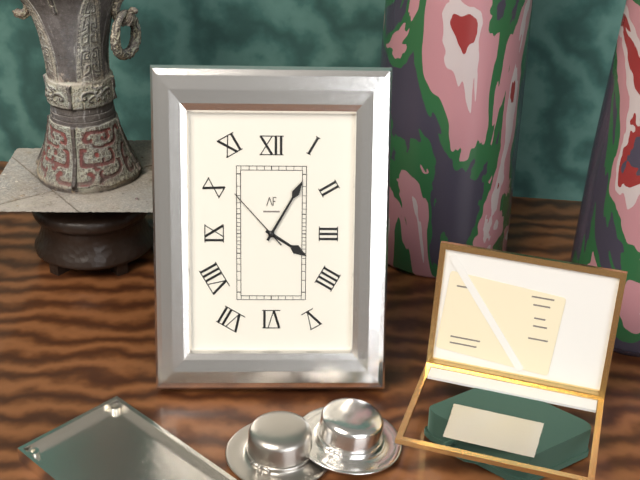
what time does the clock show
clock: 4:05:53
